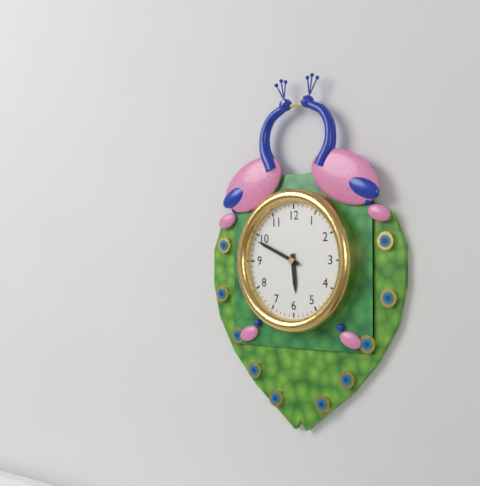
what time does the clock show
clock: 5:49
